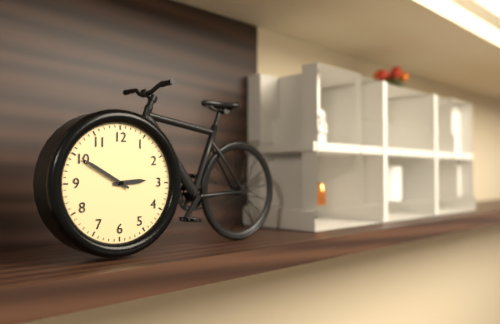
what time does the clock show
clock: 2:50
